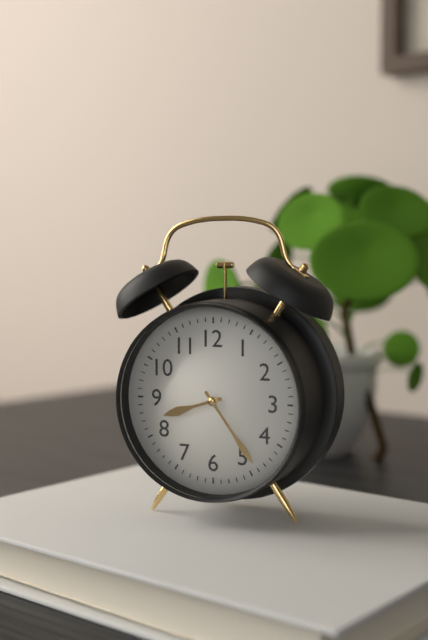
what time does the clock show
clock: 8:24
